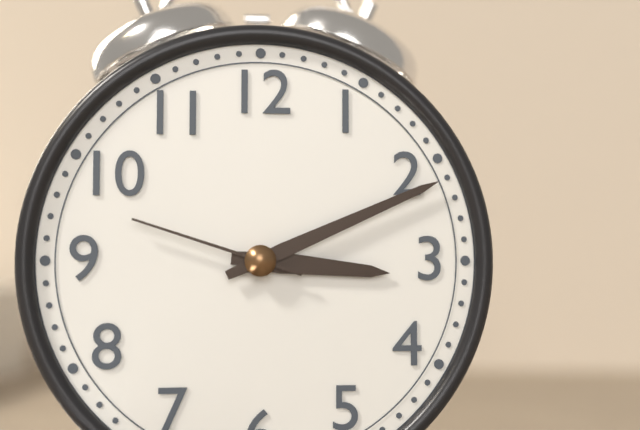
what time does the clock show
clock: 3:11:48
